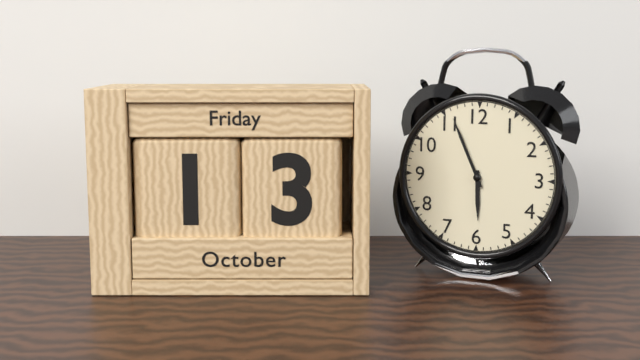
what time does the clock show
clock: 5:56
